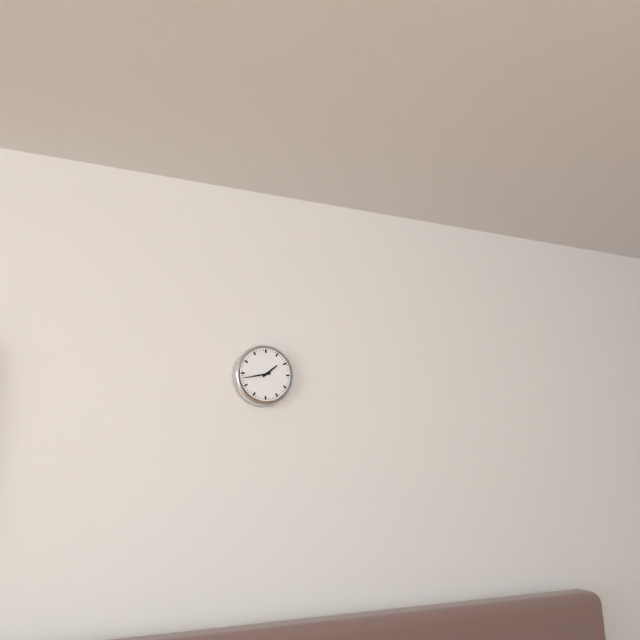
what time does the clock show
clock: 1:43
